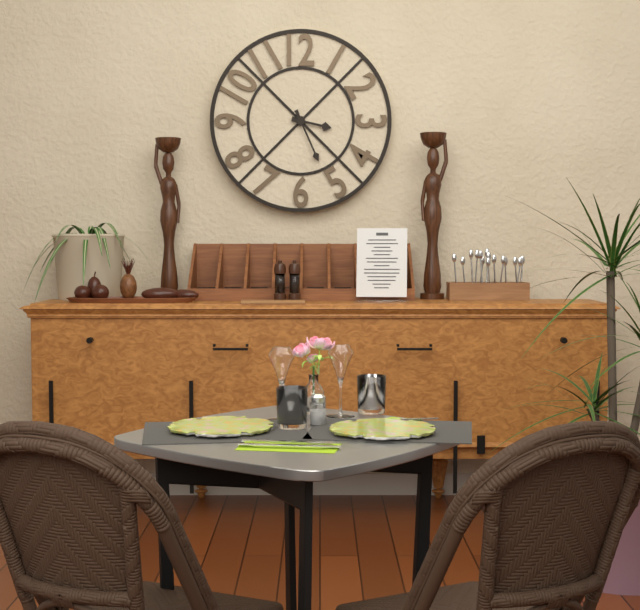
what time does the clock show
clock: 3:26
